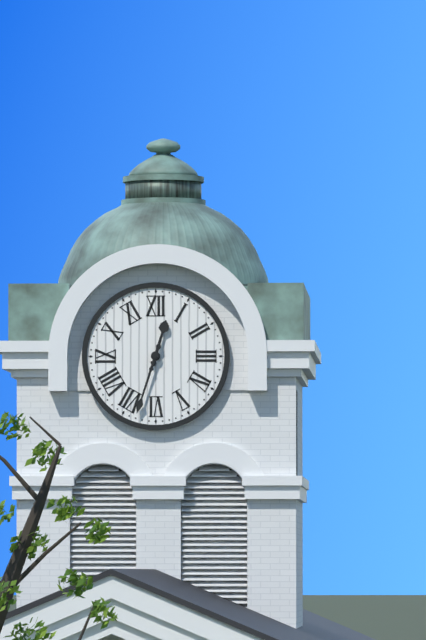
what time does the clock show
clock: 12:33
